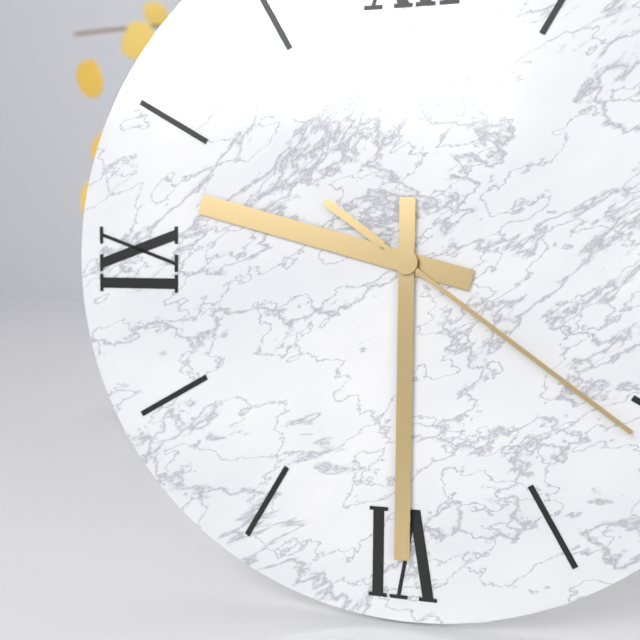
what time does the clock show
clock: 9:30:21
